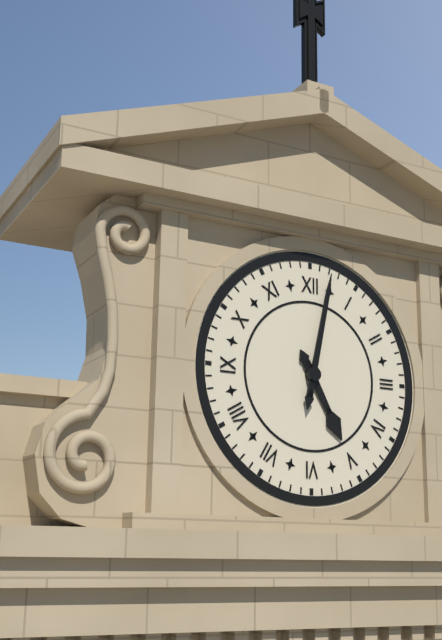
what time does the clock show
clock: 5:02
